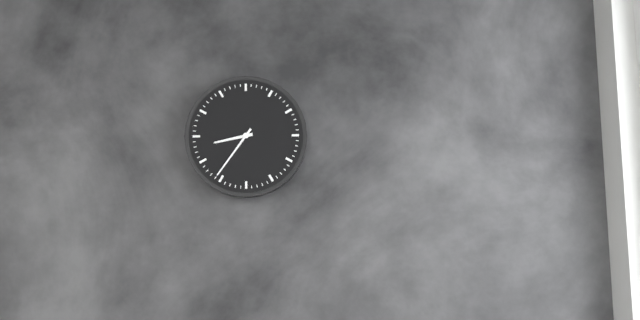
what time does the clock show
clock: 8:36
